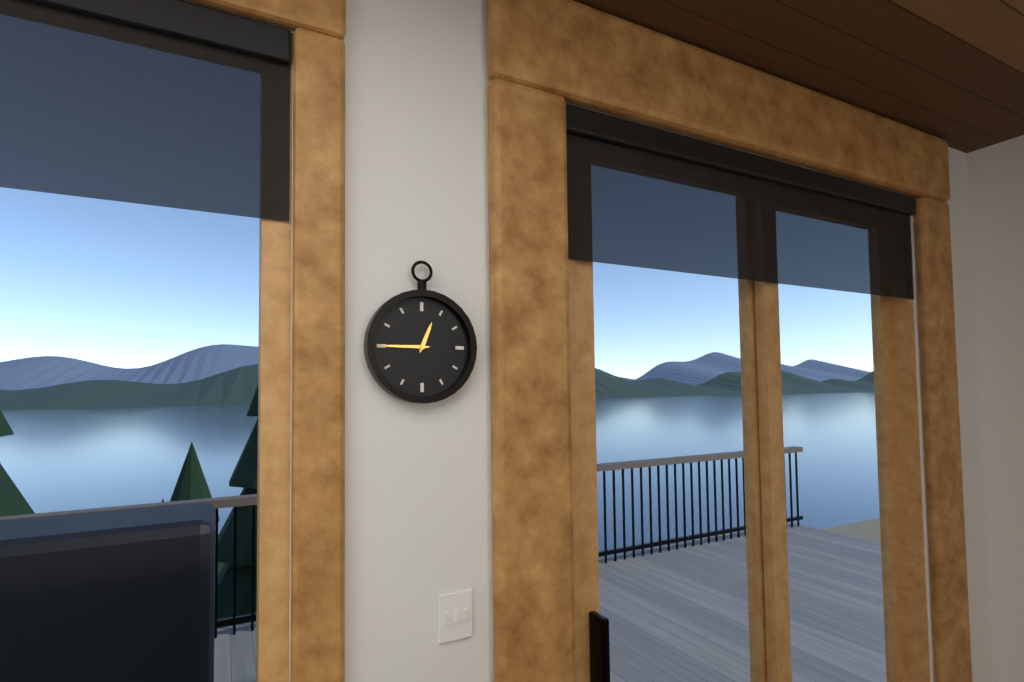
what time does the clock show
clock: 12:45
